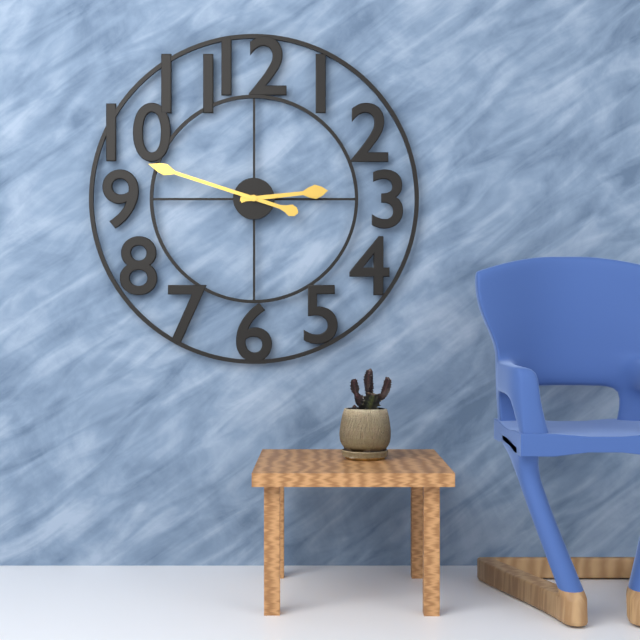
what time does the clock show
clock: 2:48
